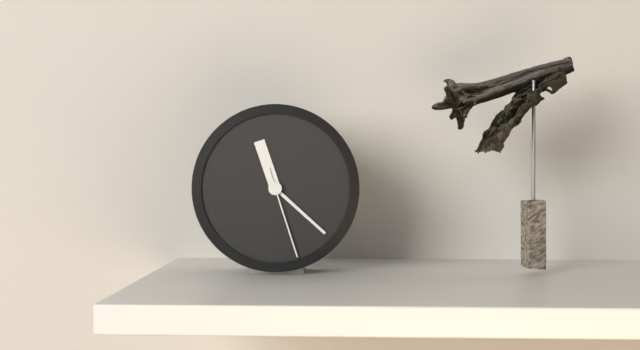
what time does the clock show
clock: 11:22:27
